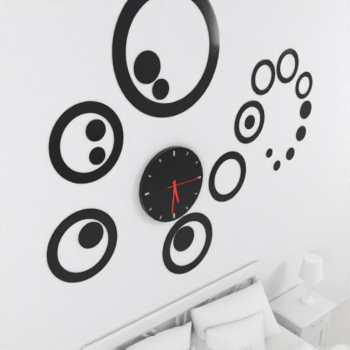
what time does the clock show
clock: 5:31
